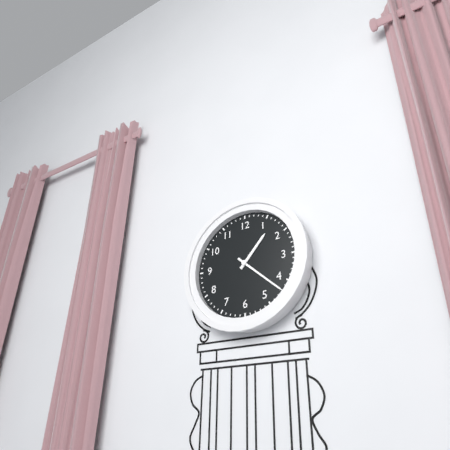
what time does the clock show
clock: 1:22
